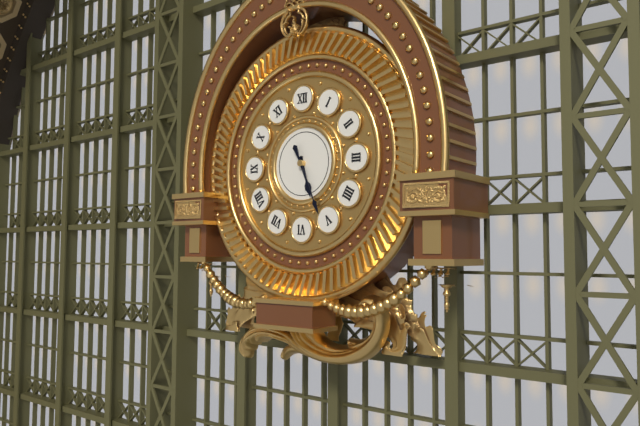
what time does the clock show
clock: 5:26
